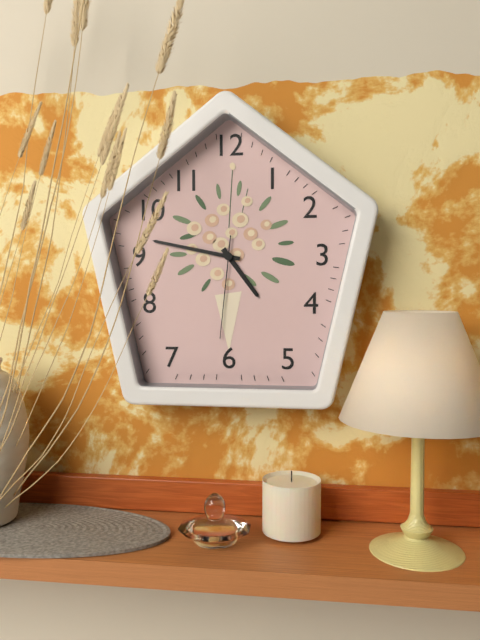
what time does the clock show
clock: 4:47:31
